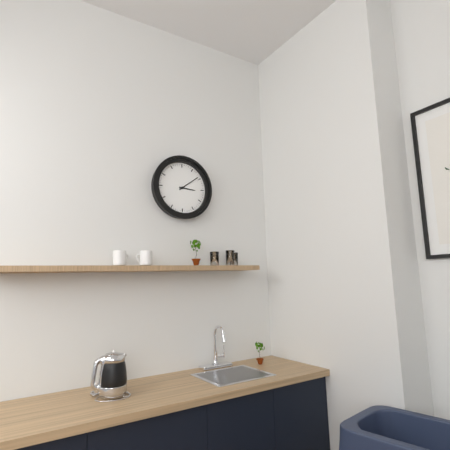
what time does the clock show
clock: 3:09
